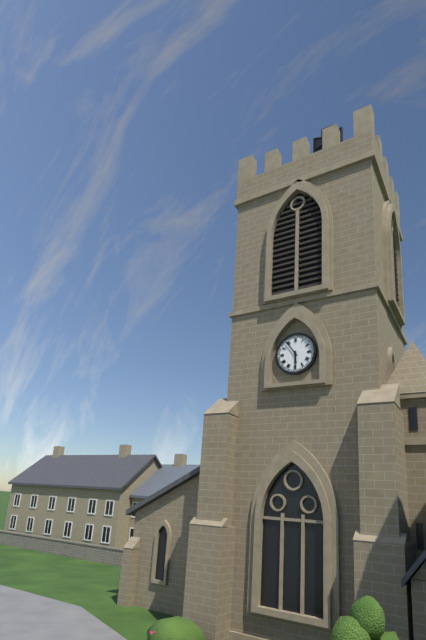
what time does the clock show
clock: 5:54
